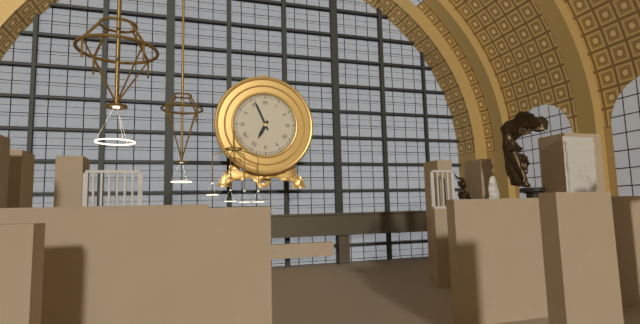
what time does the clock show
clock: 6:56
